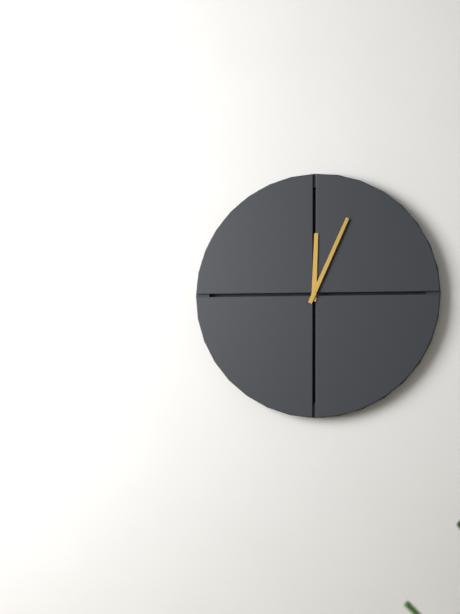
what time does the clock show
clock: 12:04
